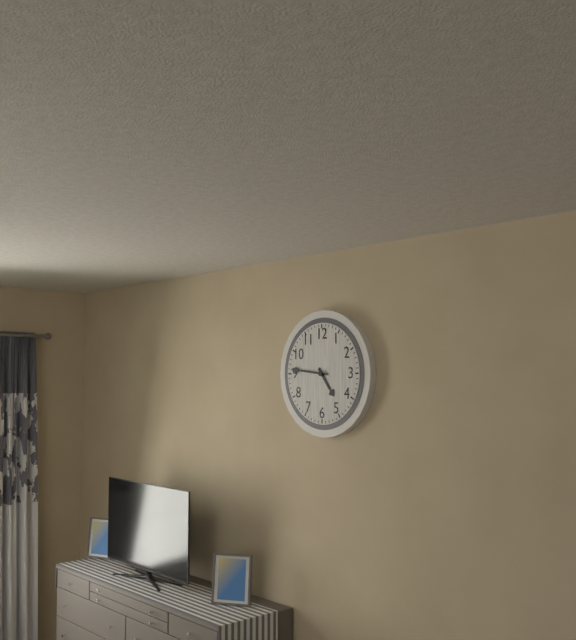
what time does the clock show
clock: 4:46
